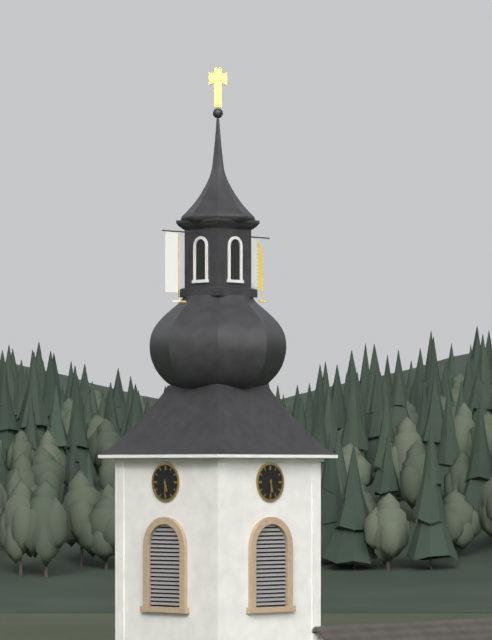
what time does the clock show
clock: 5:30
